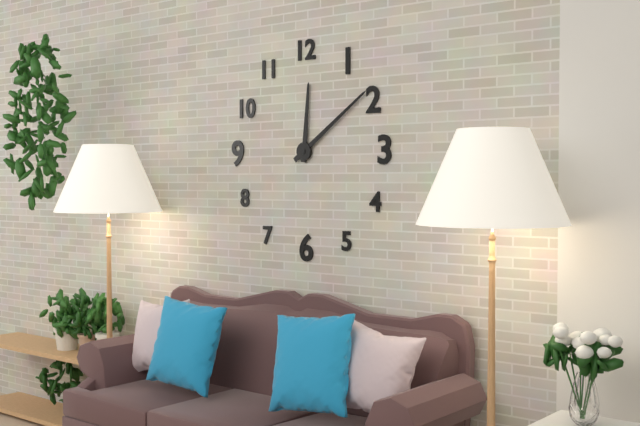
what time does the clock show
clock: 12:09
